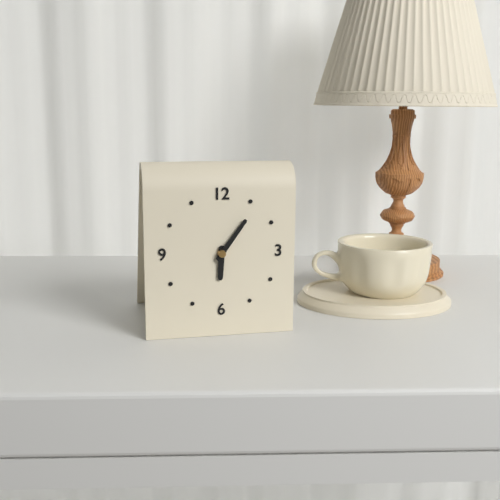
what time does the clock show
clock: 6:06
